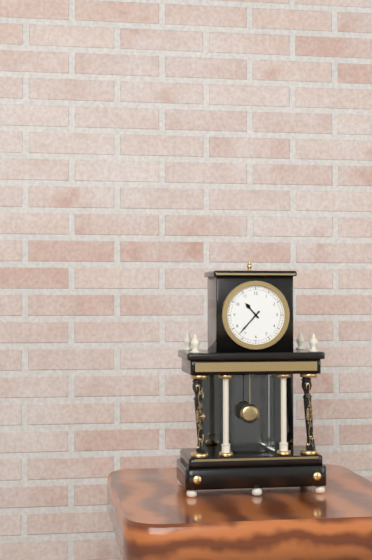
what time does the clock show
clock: 10:37
